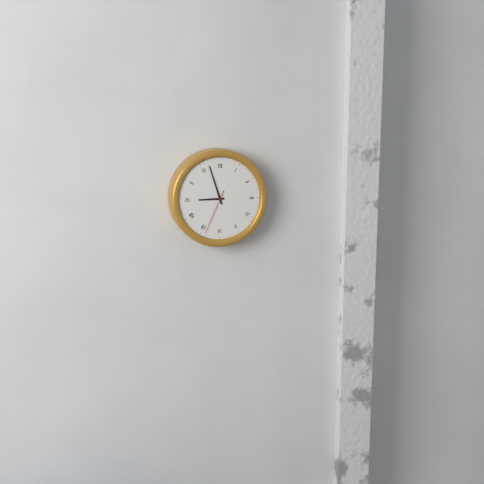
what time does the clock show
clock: 8:57
